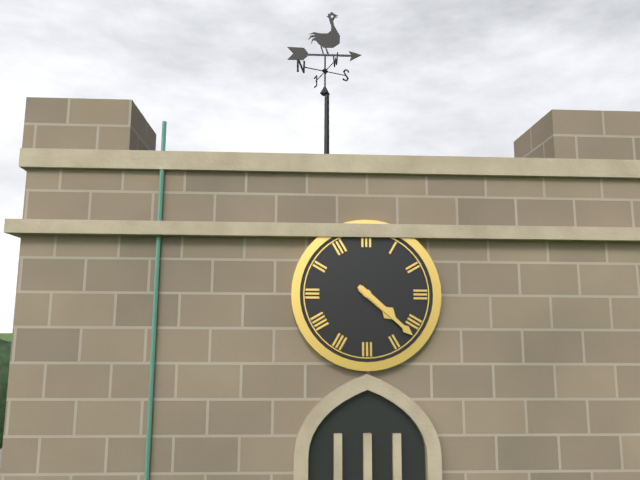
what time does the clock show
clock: 4:22
